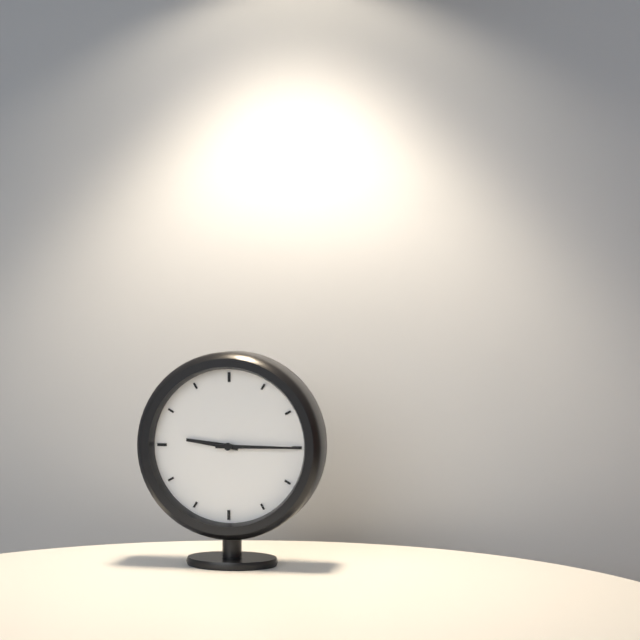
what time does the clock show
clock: 9:15
